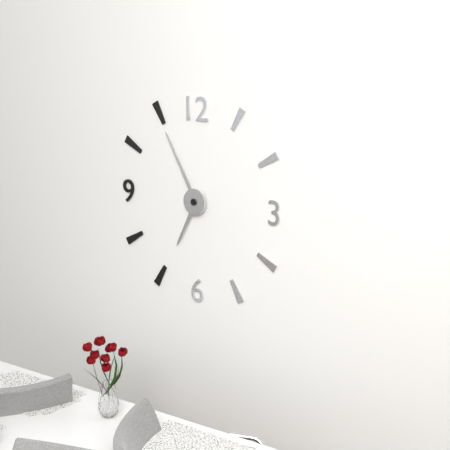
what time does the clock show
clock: 6:55
